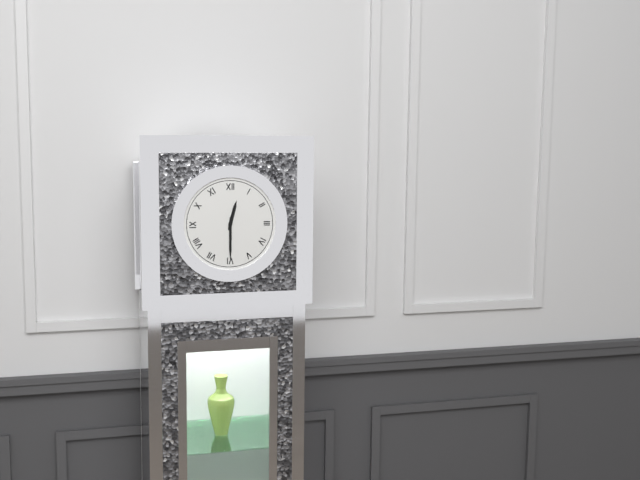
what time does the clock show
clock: 12:30
